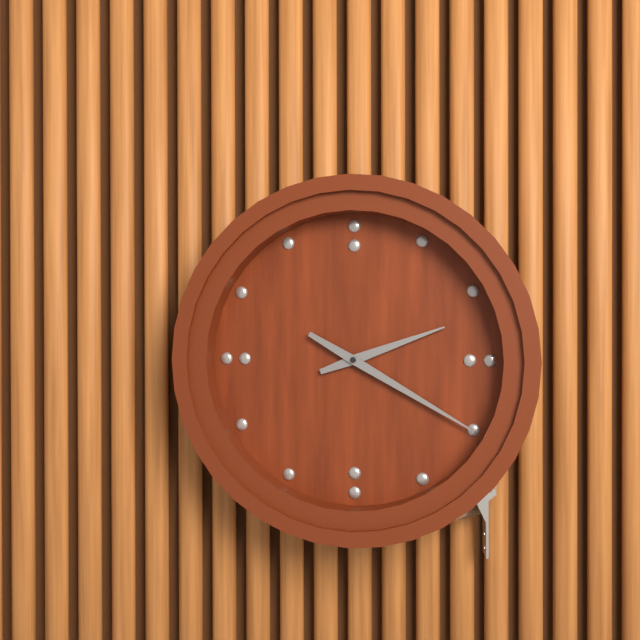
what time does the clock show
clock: 2:20
